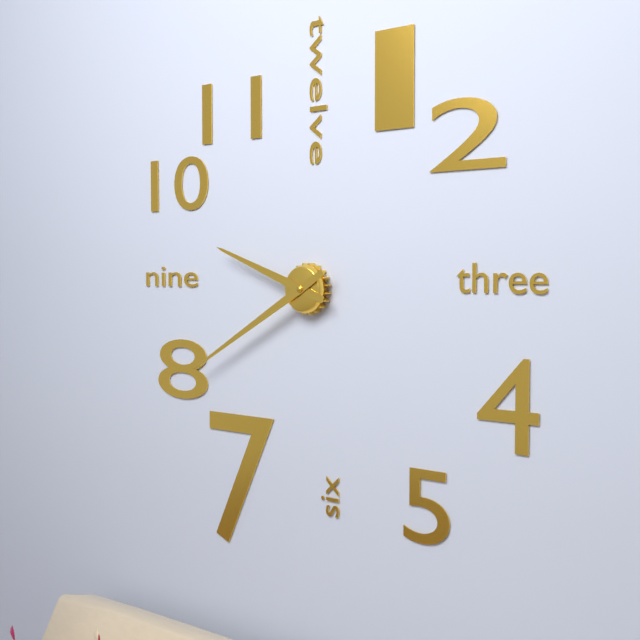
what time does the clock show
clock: 9:40
